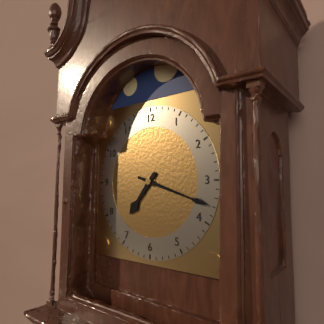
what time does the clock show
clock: 7:18
